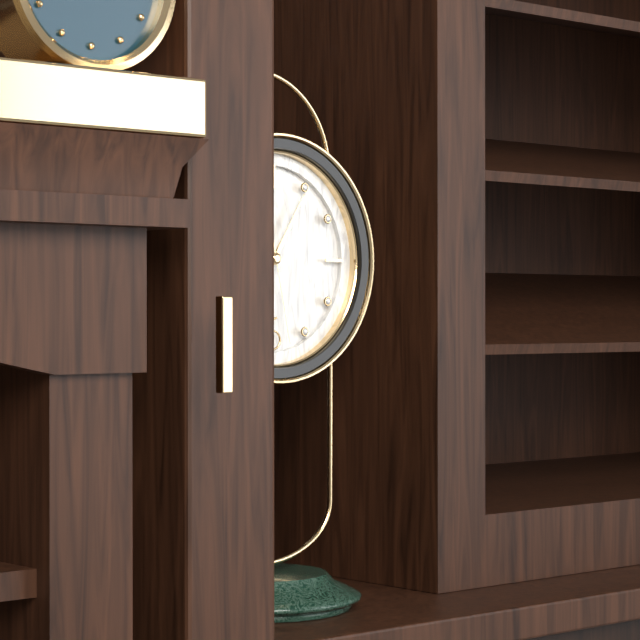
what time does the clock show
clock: 1:05:28
